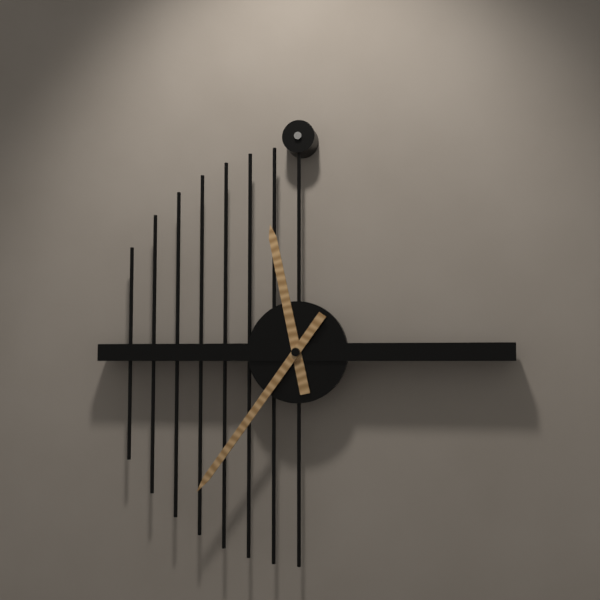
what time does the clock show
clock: 11:36
